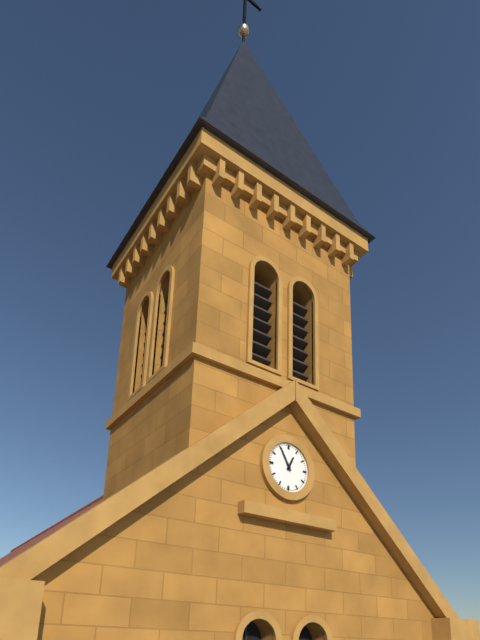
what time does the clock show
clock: 12:55
